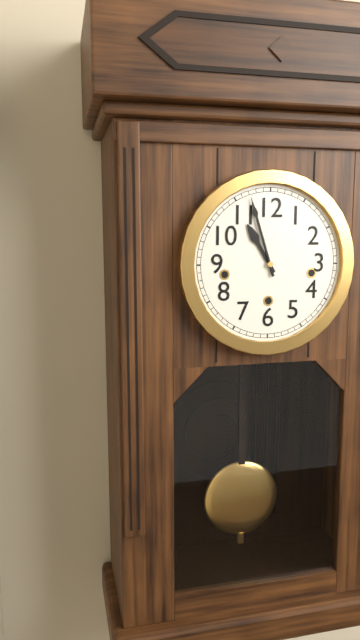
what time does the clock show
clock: 10:57
